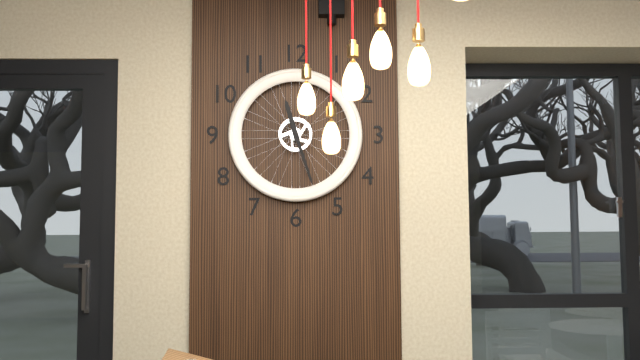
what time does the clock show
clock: 11:27
